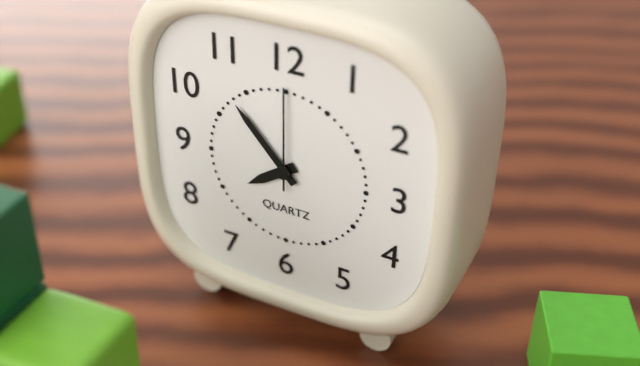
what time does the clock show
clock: 7:53:00
